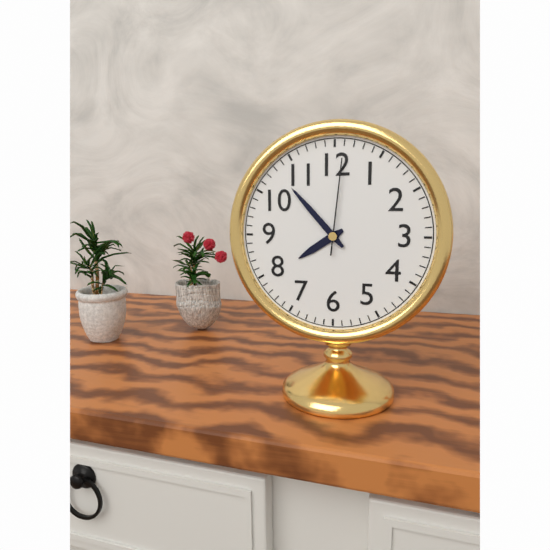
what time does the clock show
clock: 7:53:01
